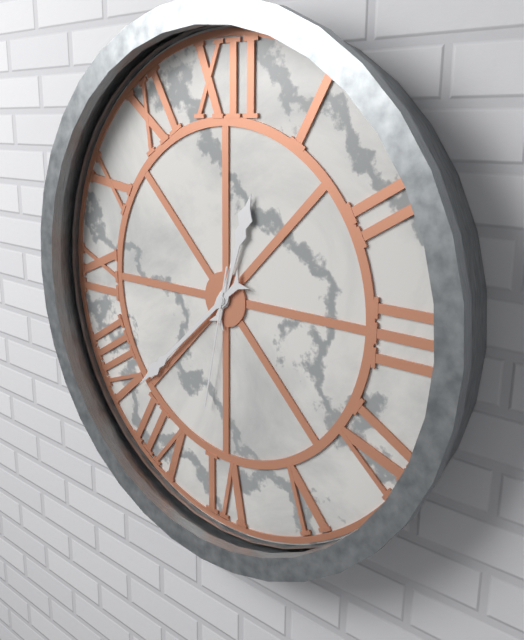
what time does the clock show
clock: 12:38:32
